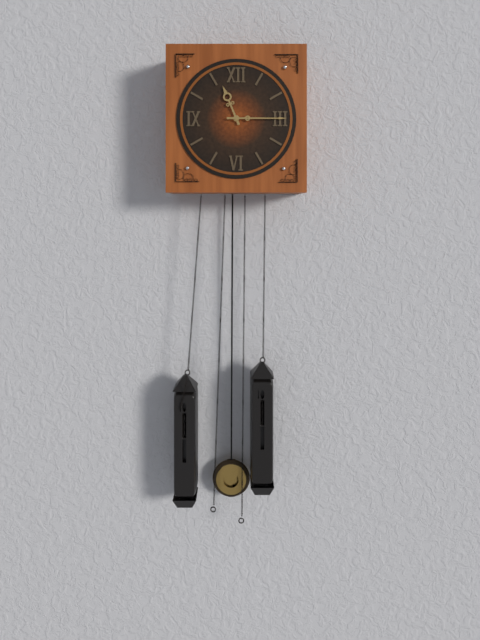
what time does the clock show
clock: 11:15
